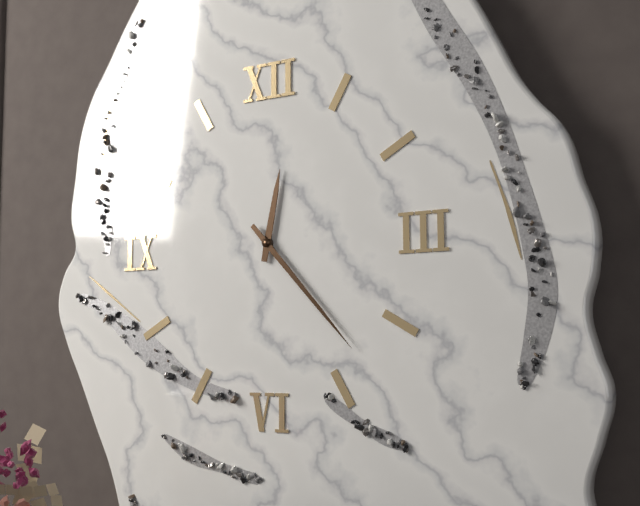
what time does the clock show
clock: 12:23
